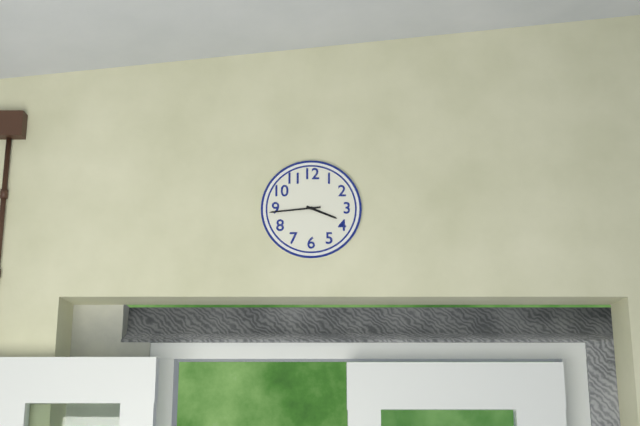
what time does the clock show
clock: 3:44
